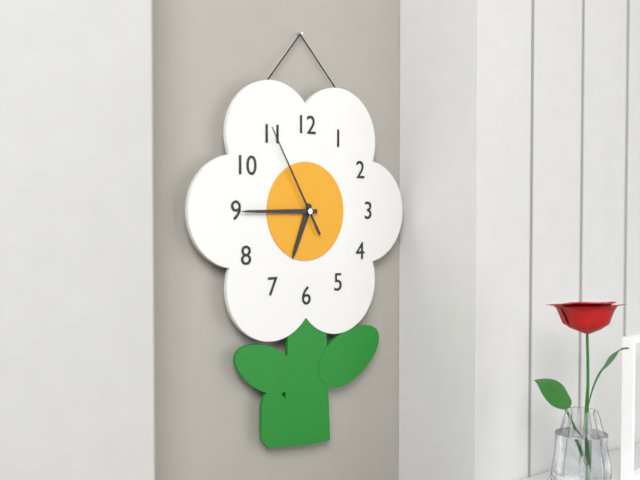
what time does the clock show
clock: 6:45:55
